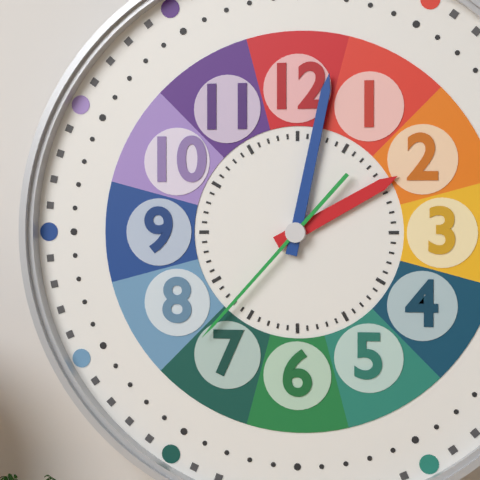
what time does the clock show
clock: 2:02:37
